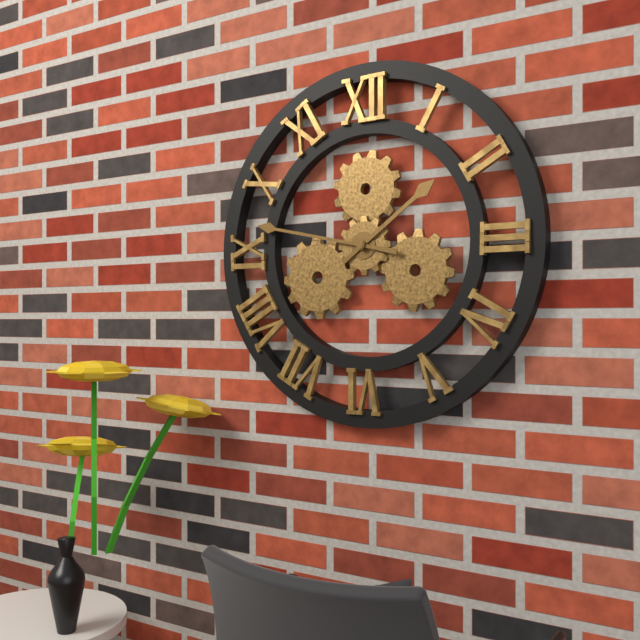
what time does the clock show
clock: 1:47
